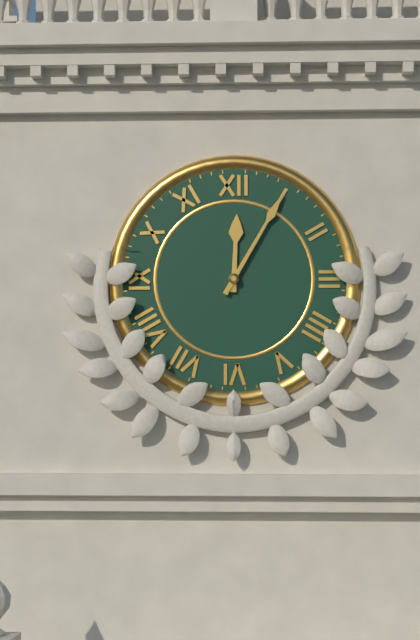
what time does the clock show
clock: 12:05
